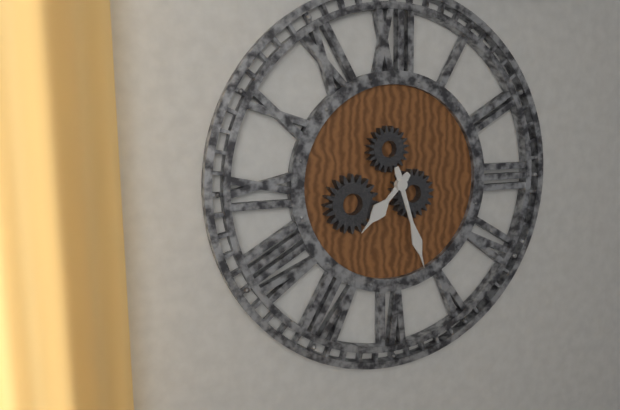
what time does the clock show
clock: 7:27
